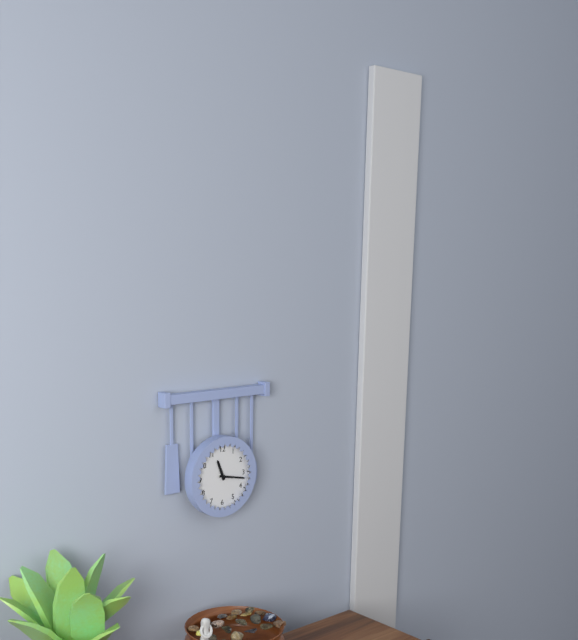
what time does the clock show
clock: 11:17
